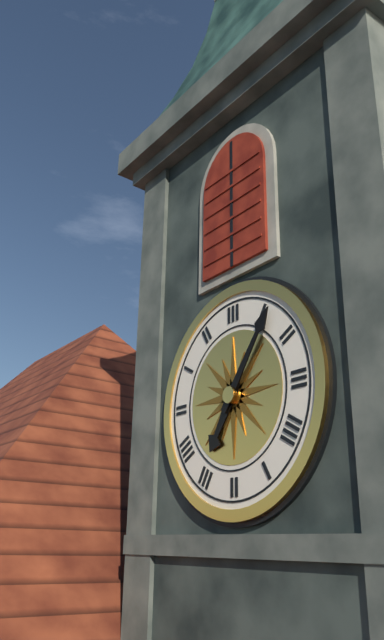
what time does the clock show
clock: 7:06
